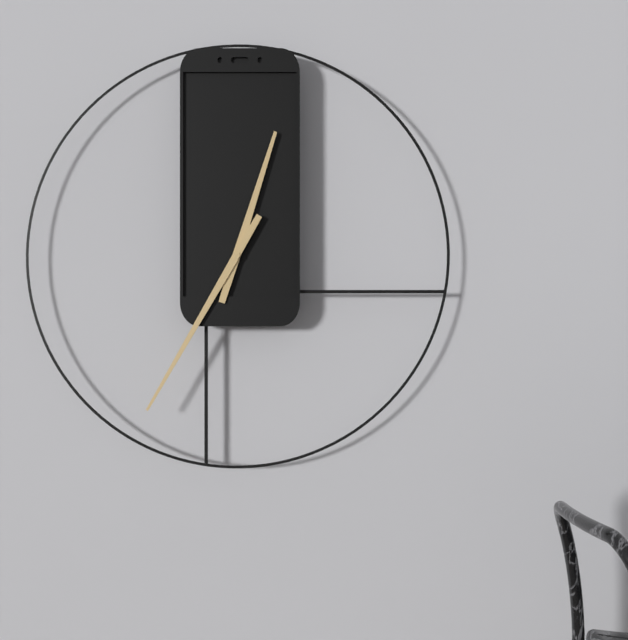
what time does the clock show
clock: 12:35
